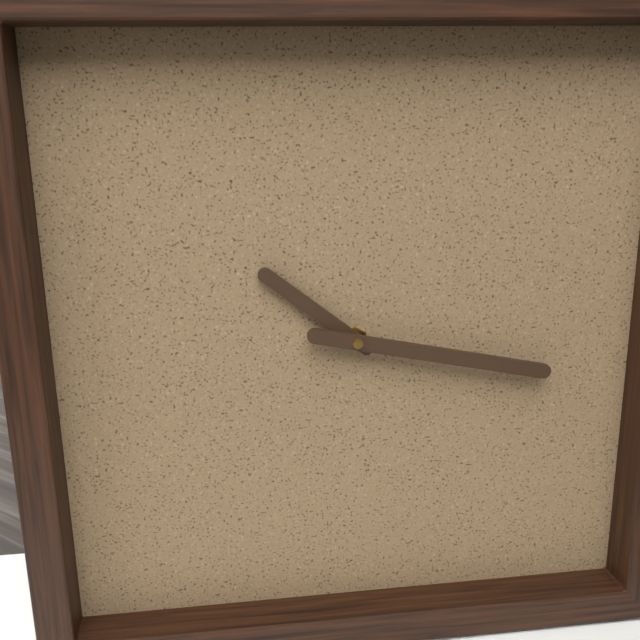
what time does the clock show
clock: 10:17
